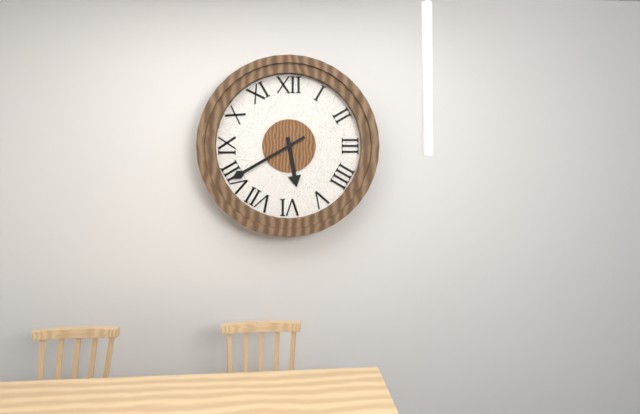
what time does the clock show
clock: 5:40
